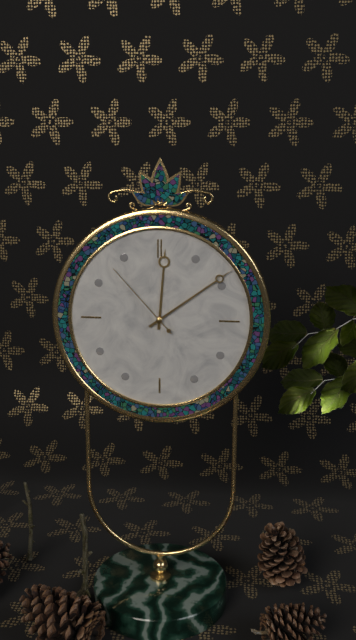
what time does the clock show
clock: 12:09:53
